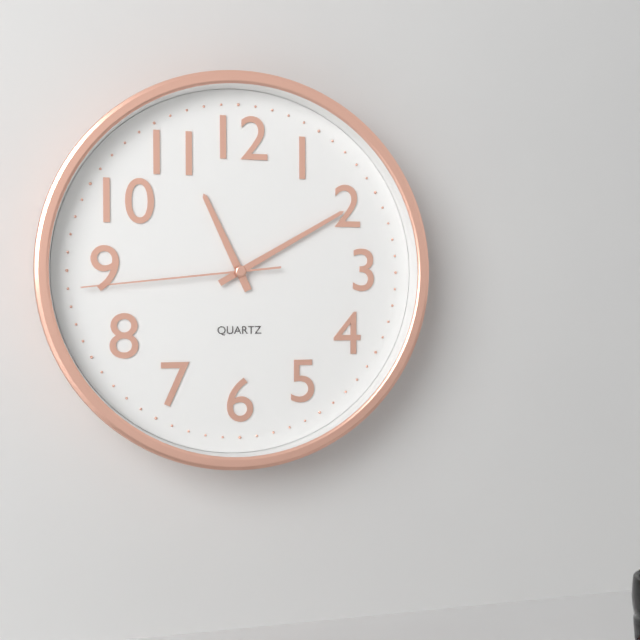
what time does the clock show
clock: 11:10:44
